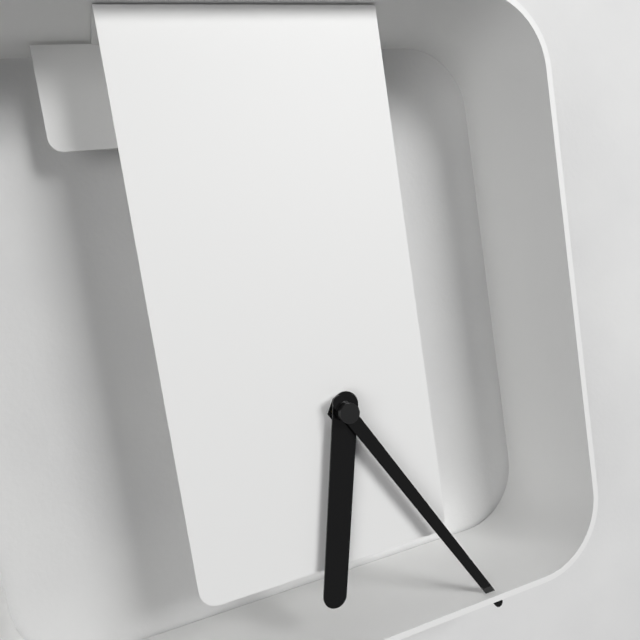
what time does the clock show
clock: 6:25
